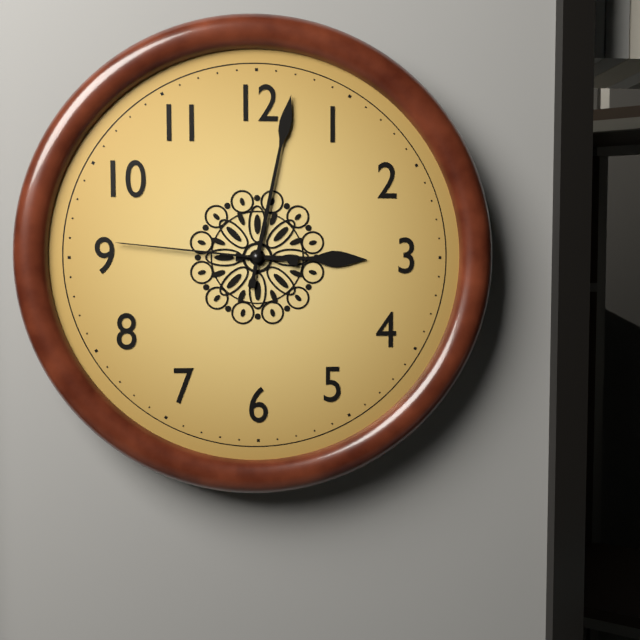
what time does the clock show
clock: 3:02:46
